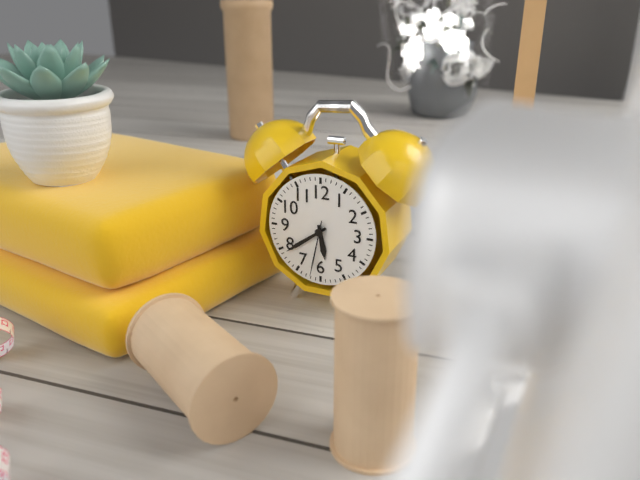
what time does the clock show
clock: 5:39:32
